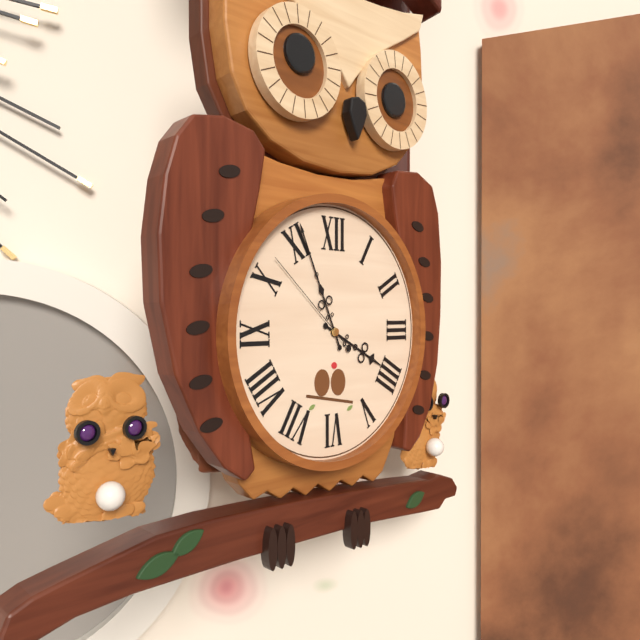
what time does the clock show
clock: 3:56:52
